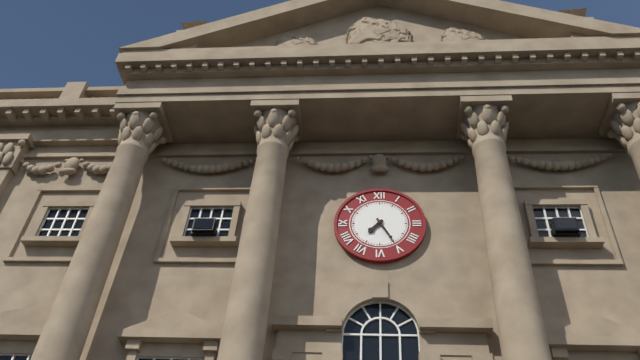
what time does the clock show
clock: 7:25
